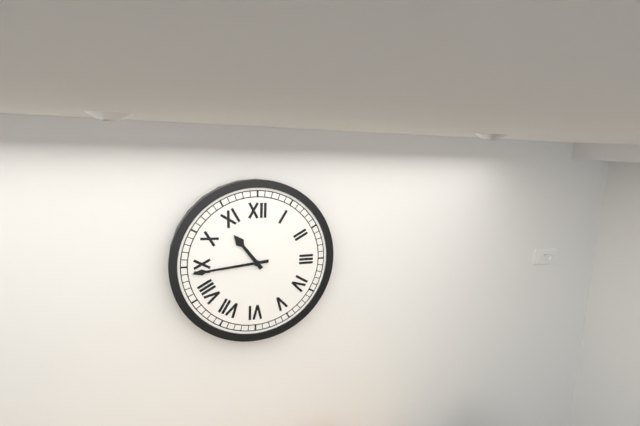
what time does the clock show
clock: 10:44
